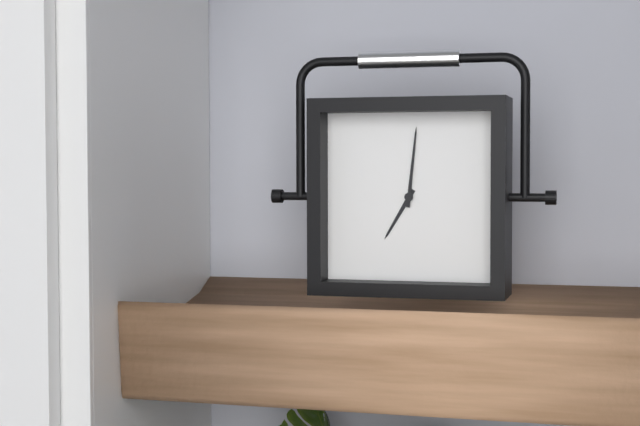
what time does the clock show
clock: 7:01
